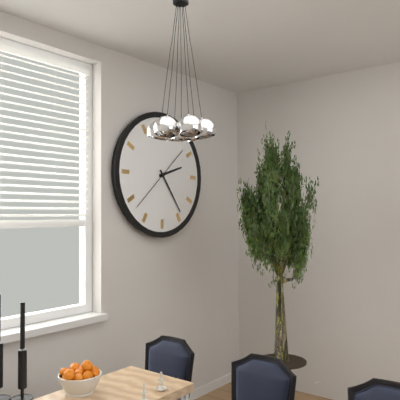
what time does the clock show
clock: 2:24:38
